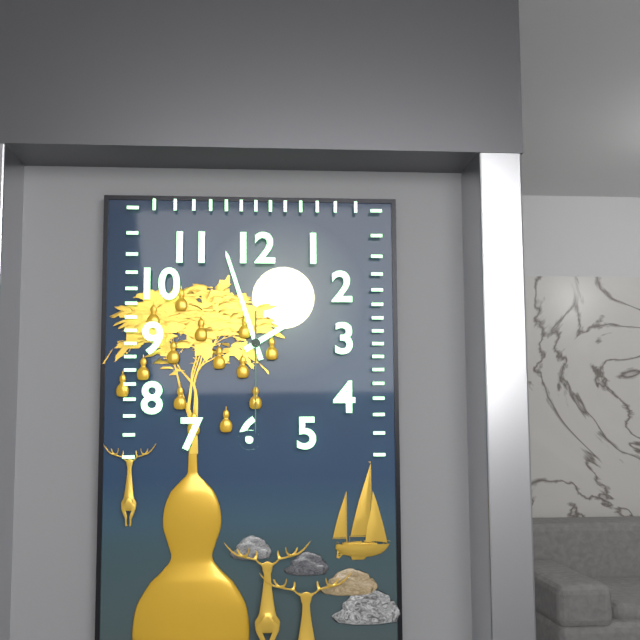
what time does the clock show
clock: 1:57:30
